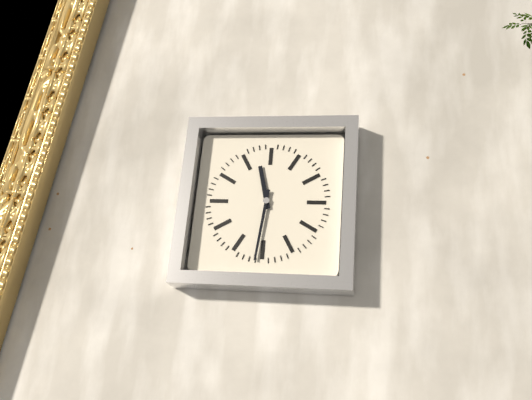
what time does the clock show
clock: 11:31
